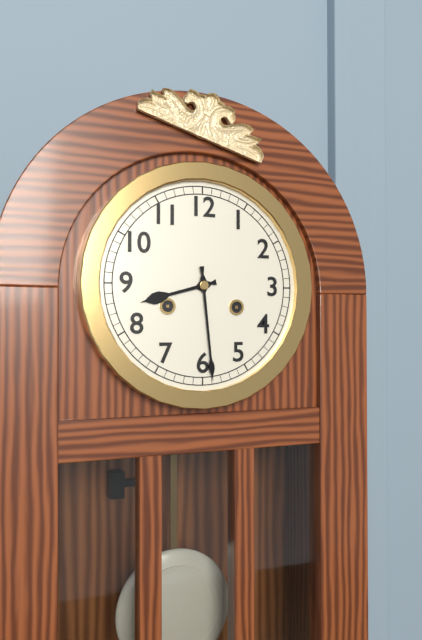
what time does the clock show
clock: 8:29
